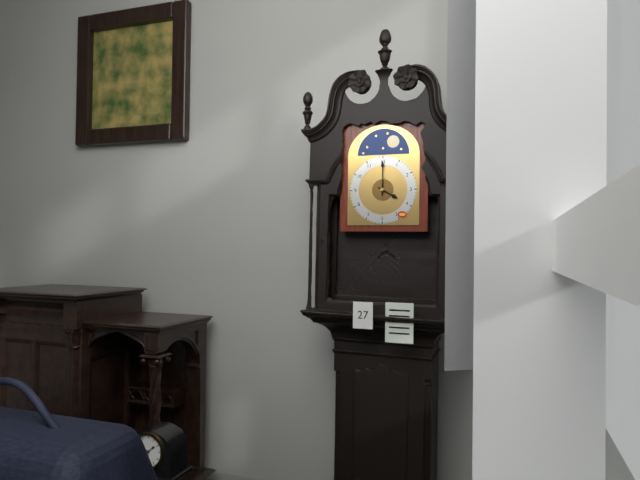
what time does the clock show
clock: 4:00
